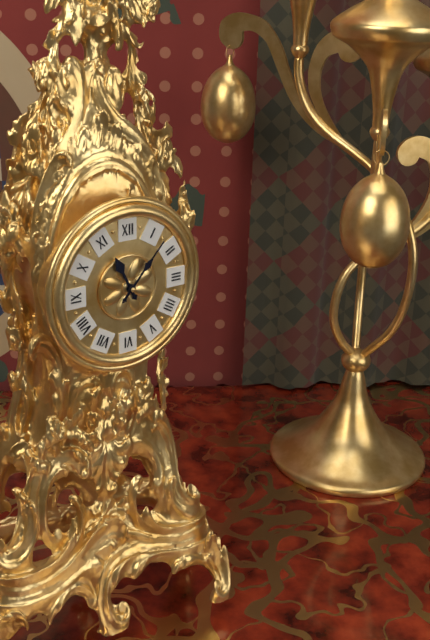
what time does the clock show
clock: 11:07
